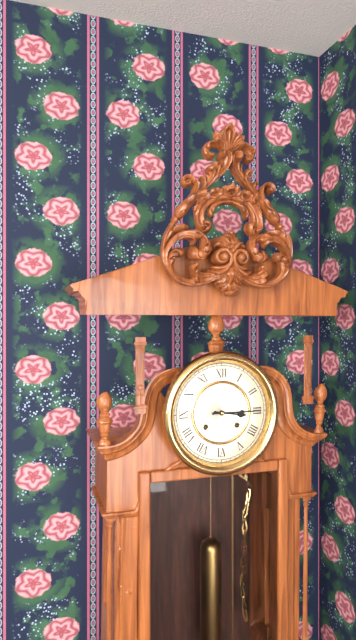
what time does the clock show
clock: 3:15
